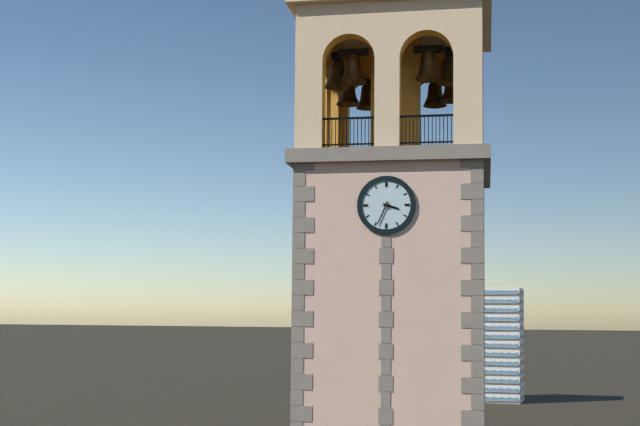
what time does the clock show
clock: 3:34
